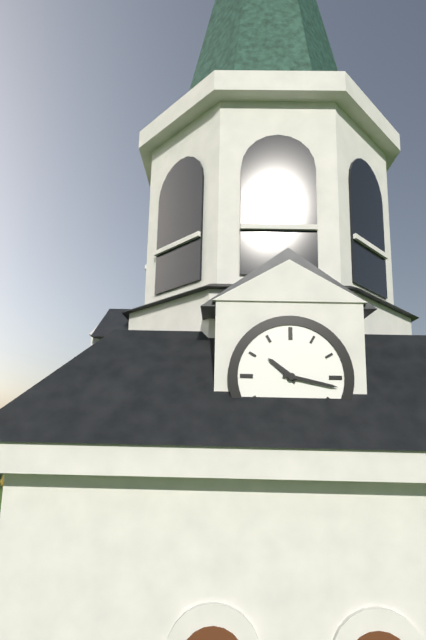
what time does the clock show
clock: 10:17
